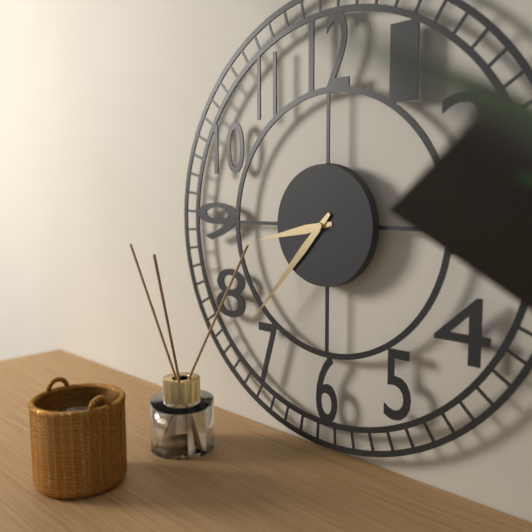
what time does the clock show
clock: 8:37
